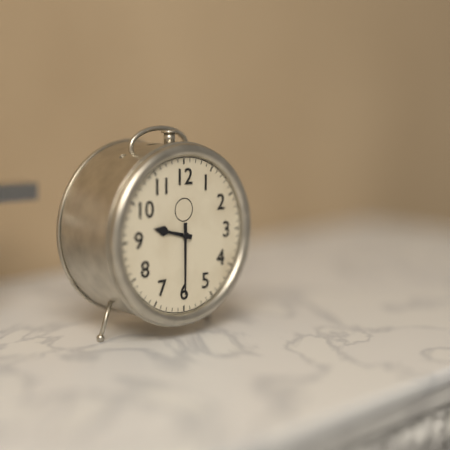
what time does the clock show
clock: 9:30
